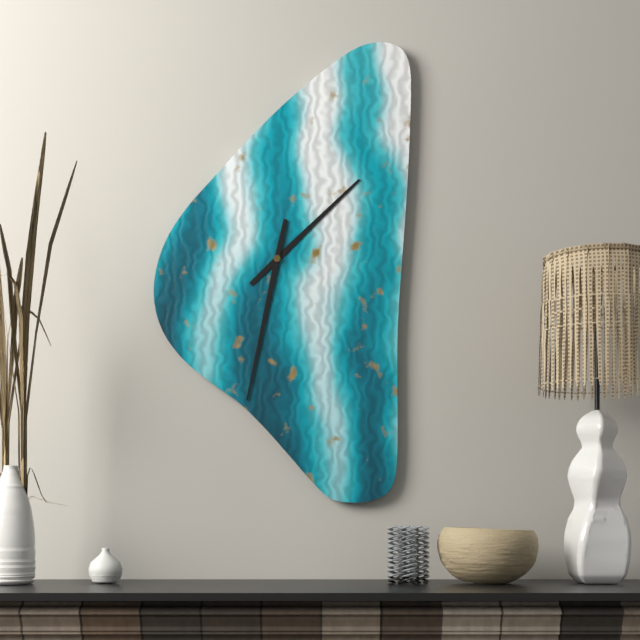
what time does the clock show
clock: 1:32
